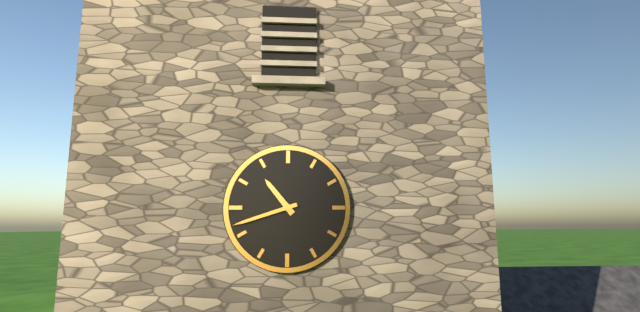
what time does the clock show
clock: 10:42
